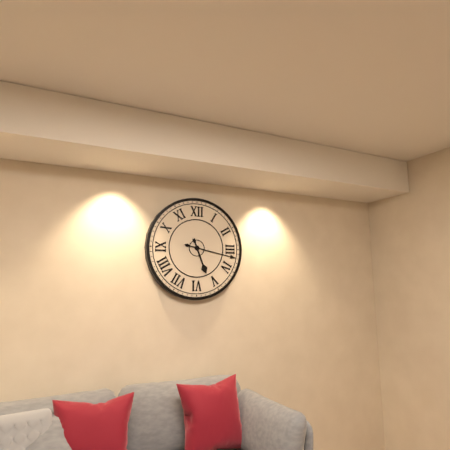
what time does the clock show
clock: 5:17
